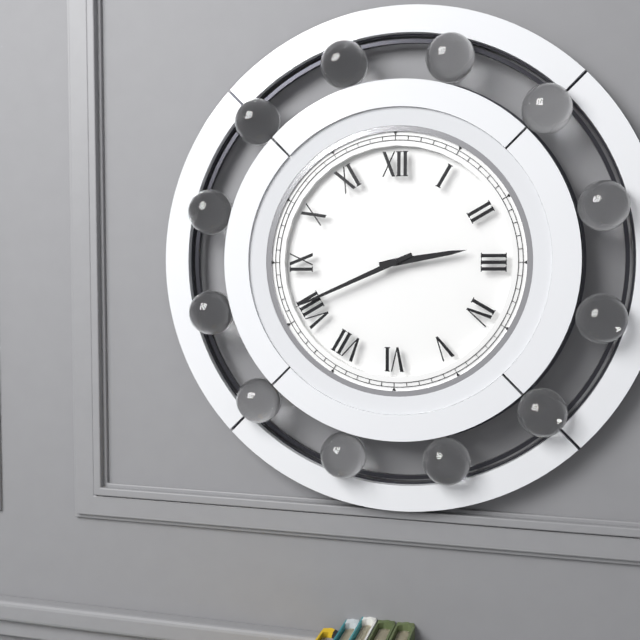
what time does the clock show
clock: 2:41
